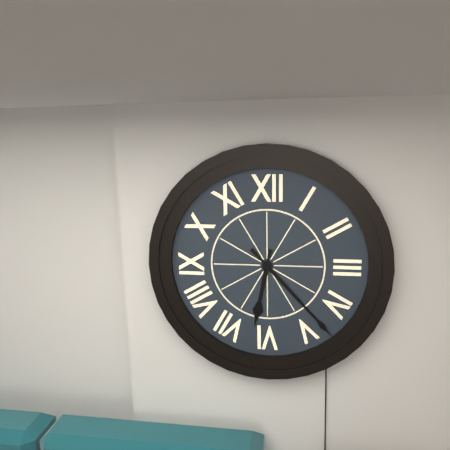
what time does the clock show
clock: 6:23
